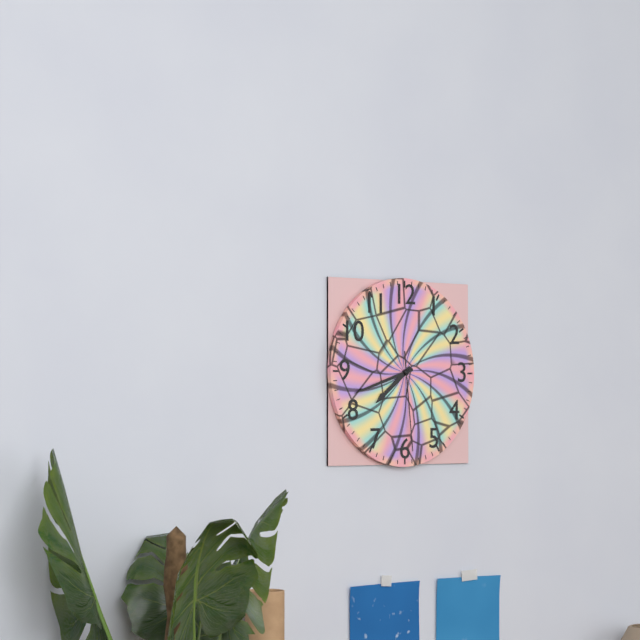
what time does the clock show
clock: 7:42:29
